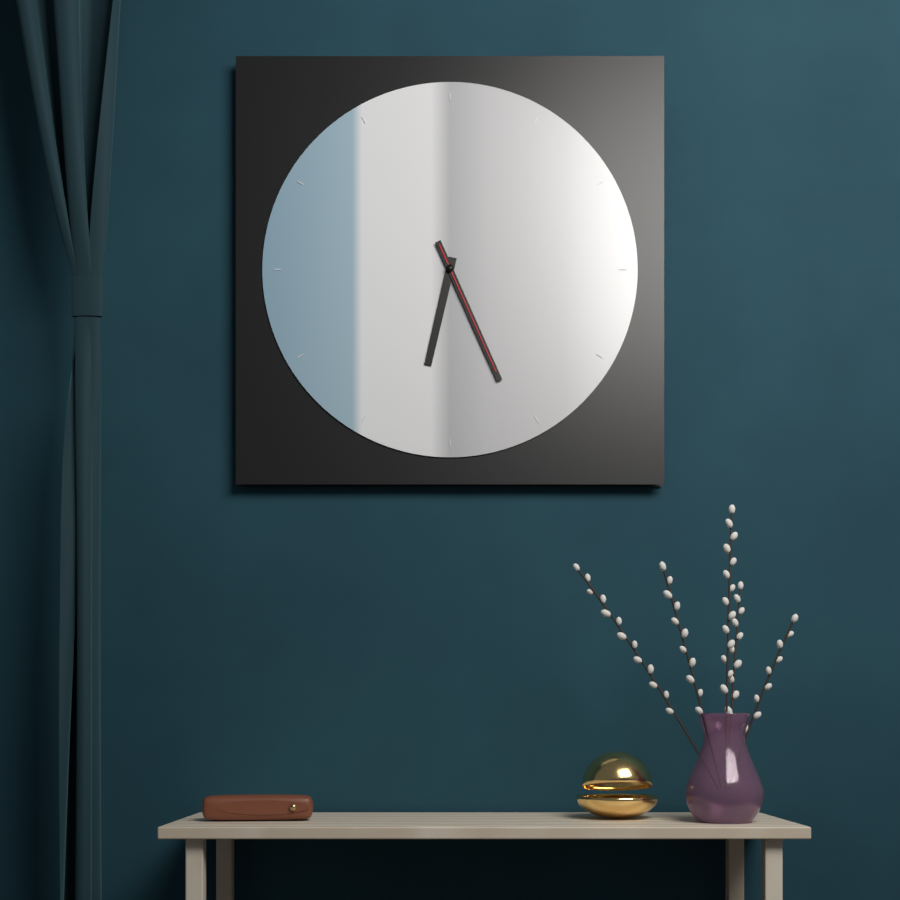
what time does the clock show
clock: 6:26:26
